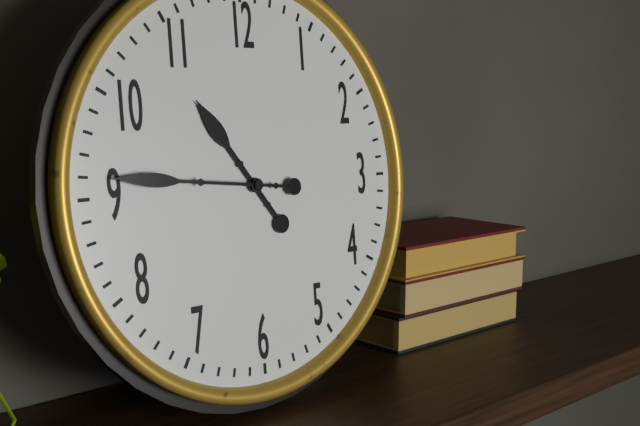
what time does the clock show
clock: 10:46
